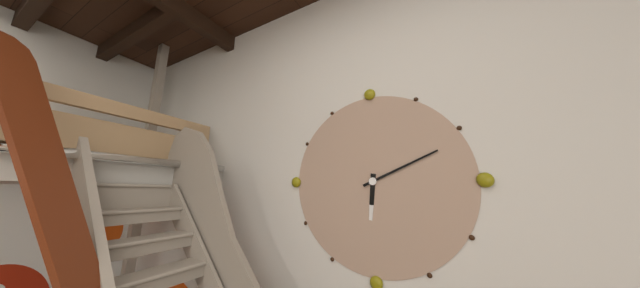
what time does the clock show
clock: 6:11
